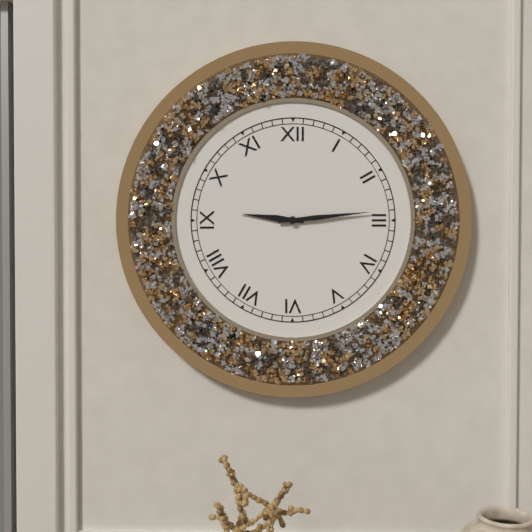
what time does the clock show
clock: 9:14
